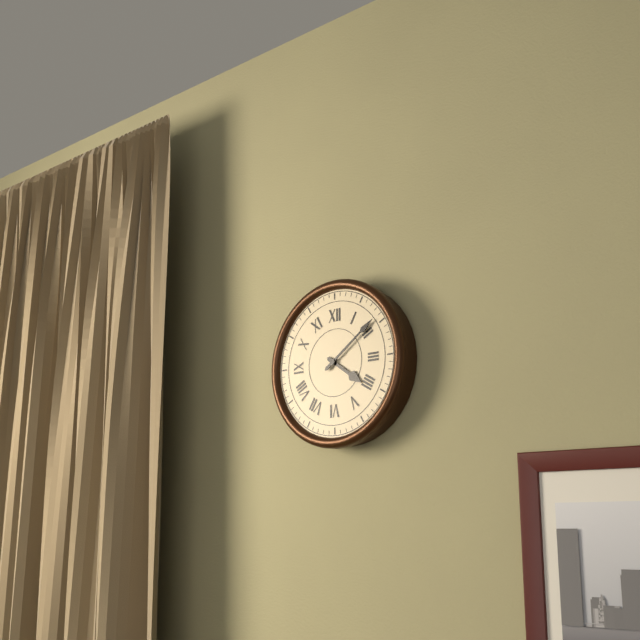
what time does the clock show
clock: 4:09
